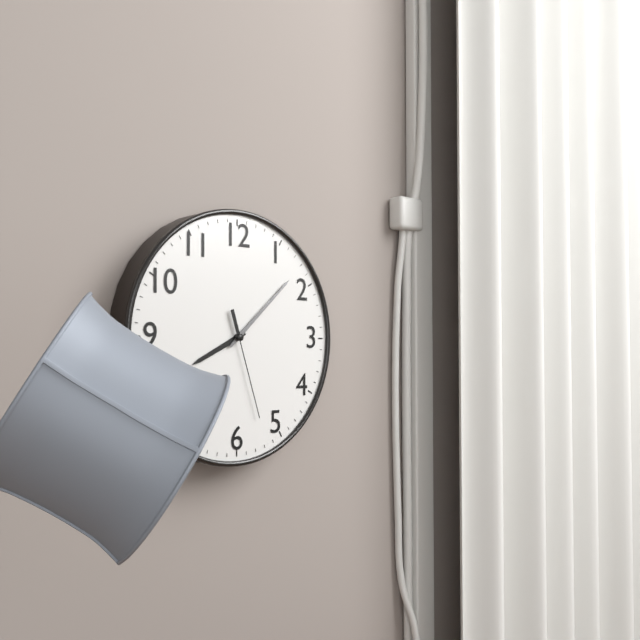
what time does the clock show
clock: 8:08:27
